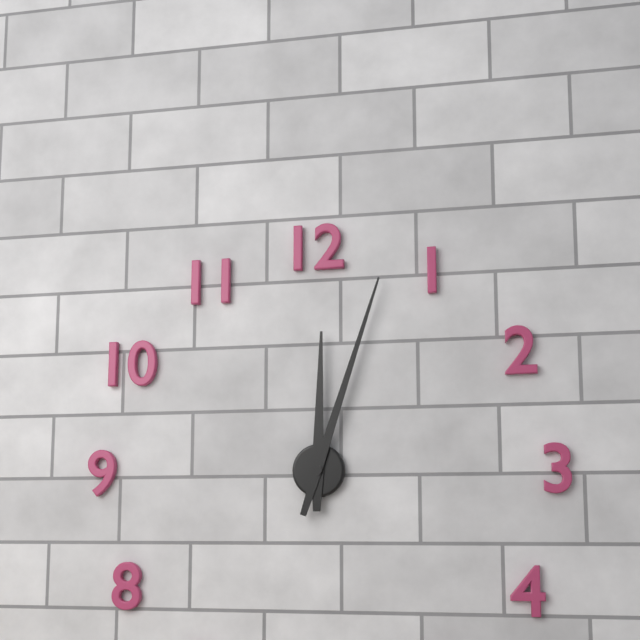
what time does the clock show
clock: 12:03
